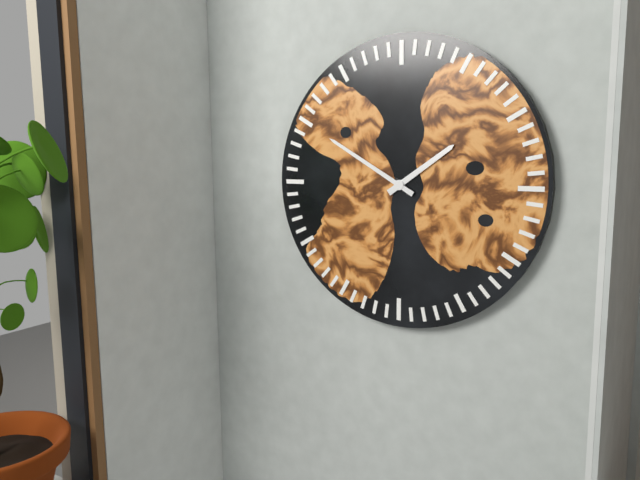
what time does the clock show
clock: 1:50
